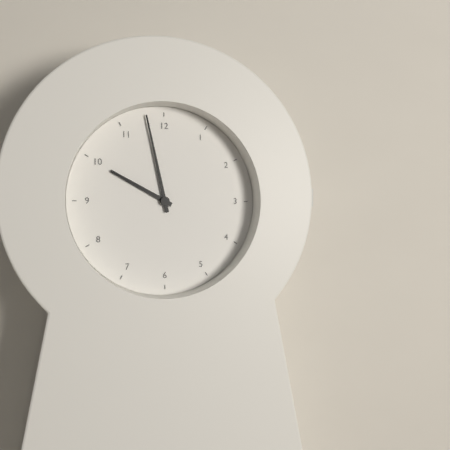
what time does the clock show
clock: 9:58
